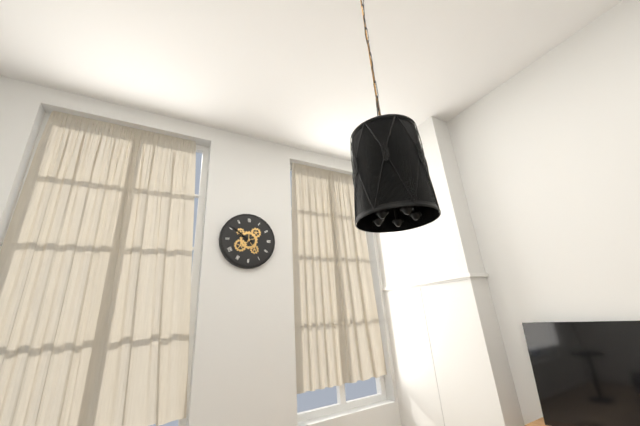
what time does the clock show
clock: 9:51
